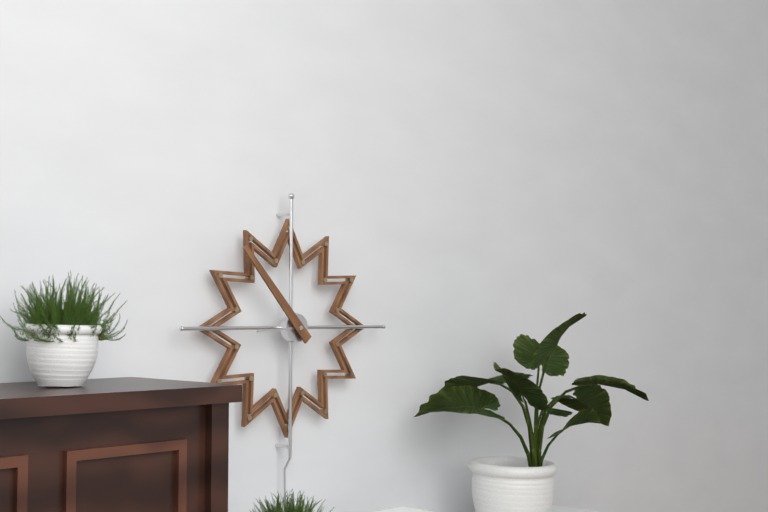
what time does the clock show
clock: 8:53
